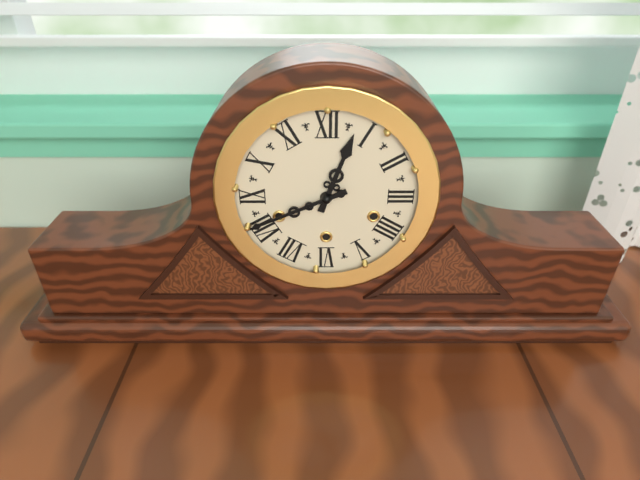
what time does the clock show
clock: 12:41
